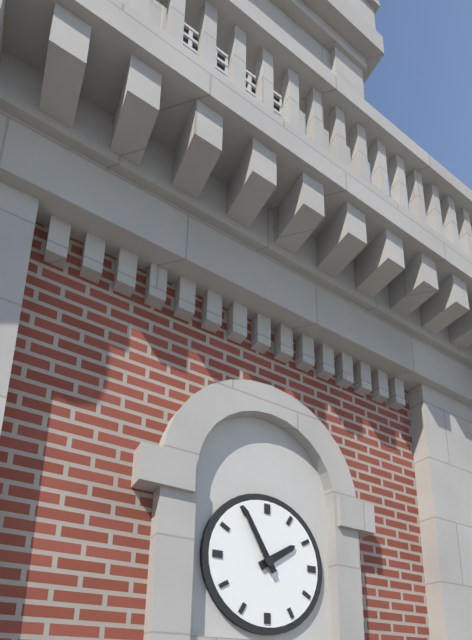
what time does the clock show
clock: 1:55
